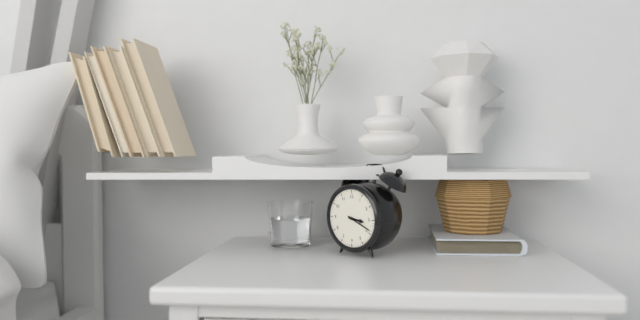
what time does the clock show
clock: 3:19
